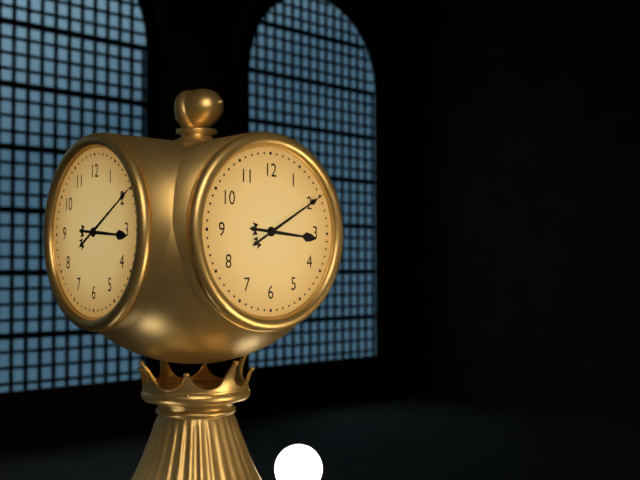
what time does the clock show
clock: 3:10
